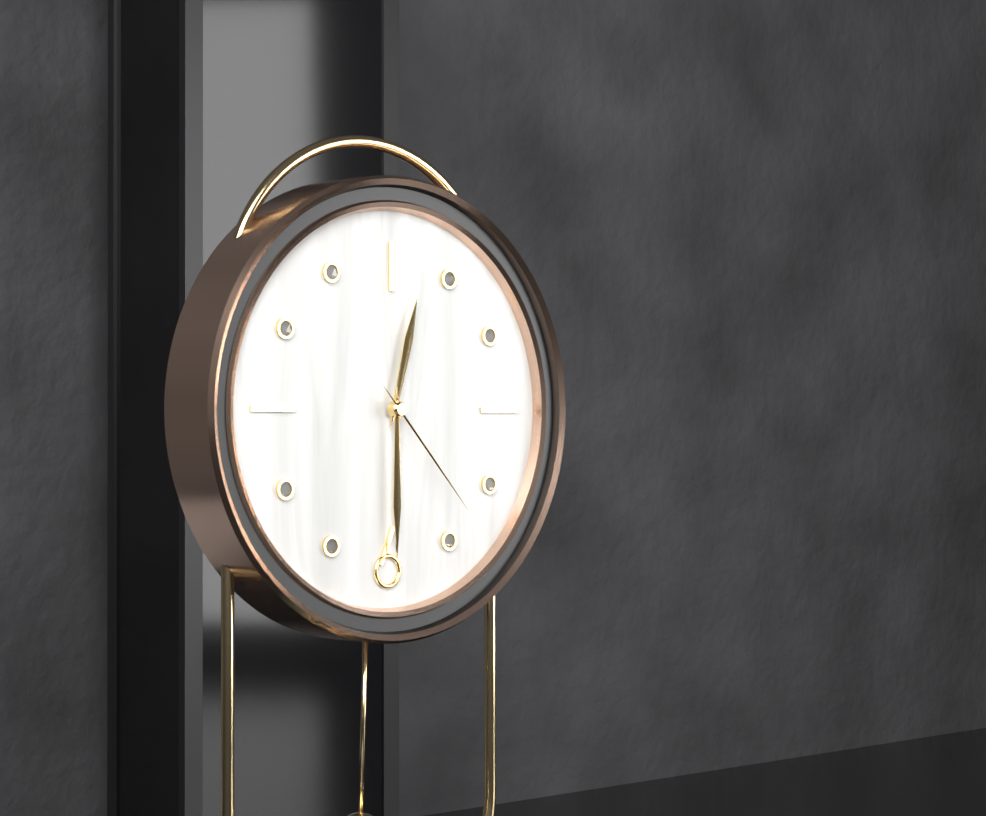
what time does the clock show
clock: 12:30:23
